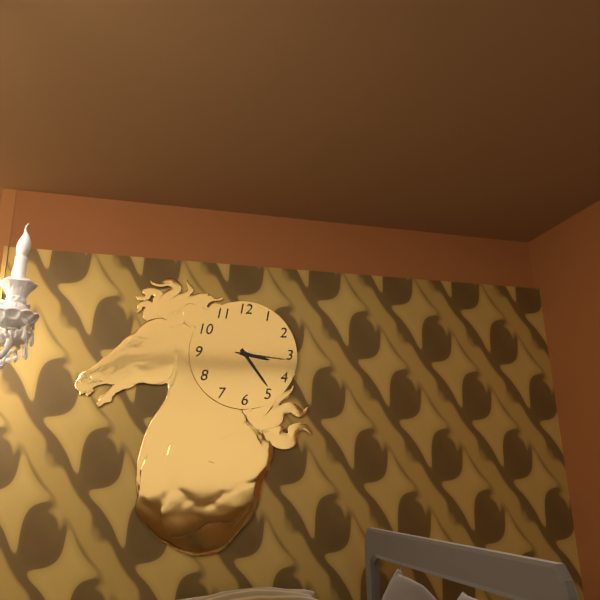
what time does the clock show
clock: 3:24:16
